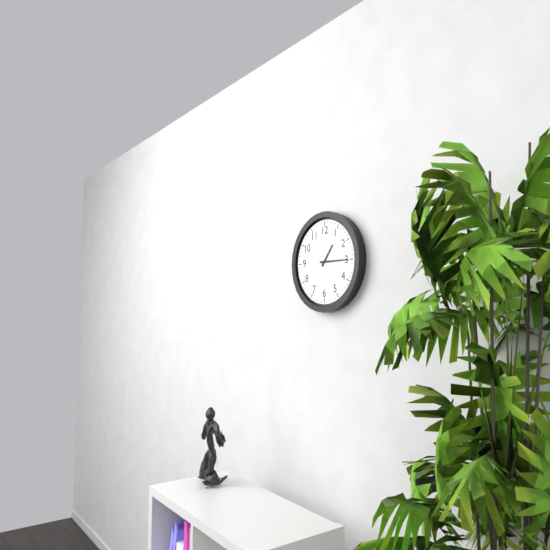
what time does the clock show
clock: 1:15
